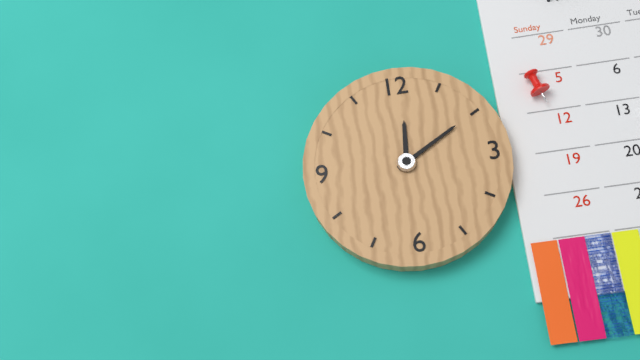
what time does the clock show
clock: 12:10
